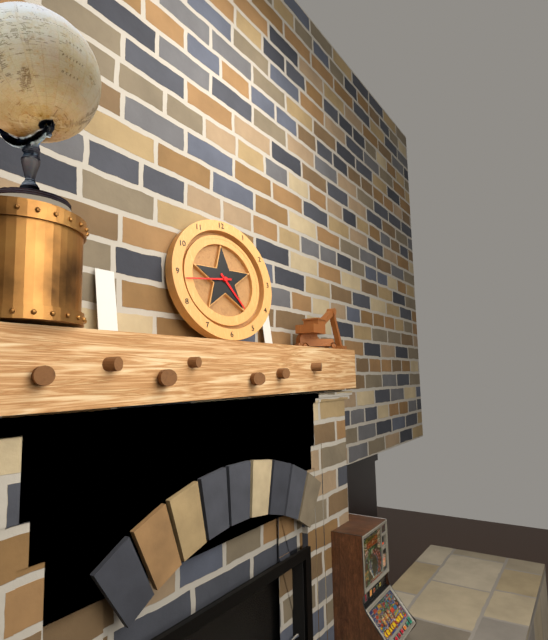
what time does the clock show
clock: 4:44
